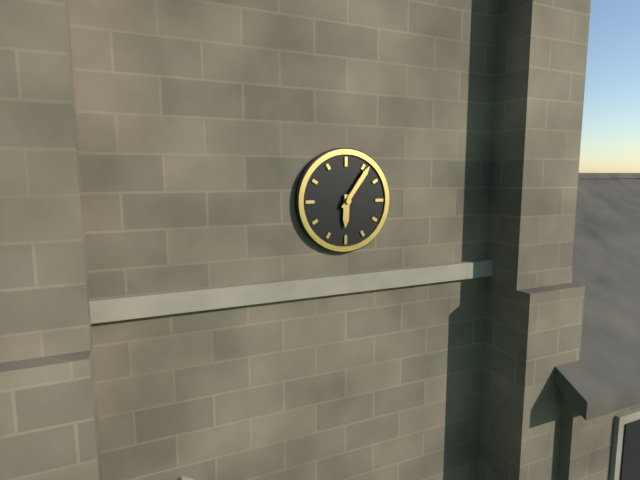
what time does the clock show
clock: 6:06
